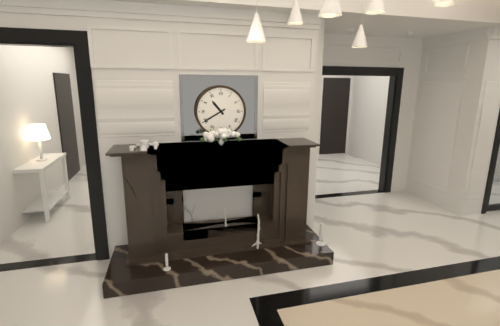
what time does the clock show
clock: 10:40
